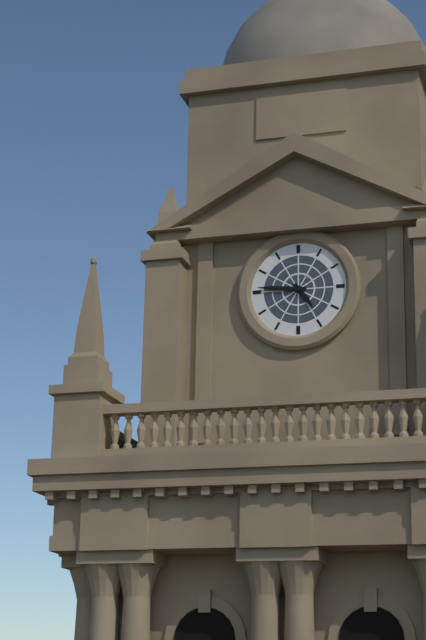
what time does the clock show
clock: 4:46
